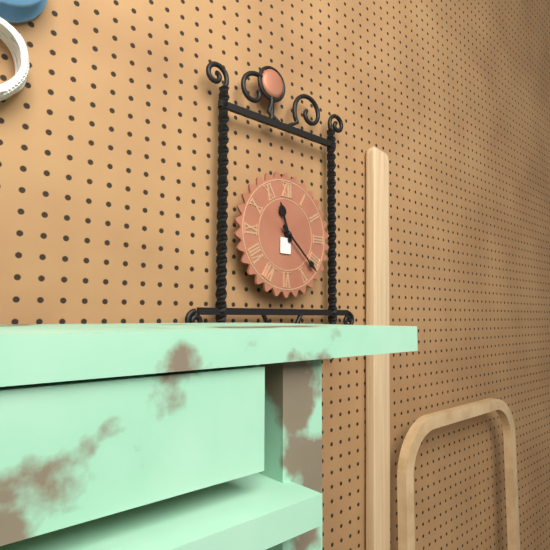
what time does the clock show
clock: 11:22
